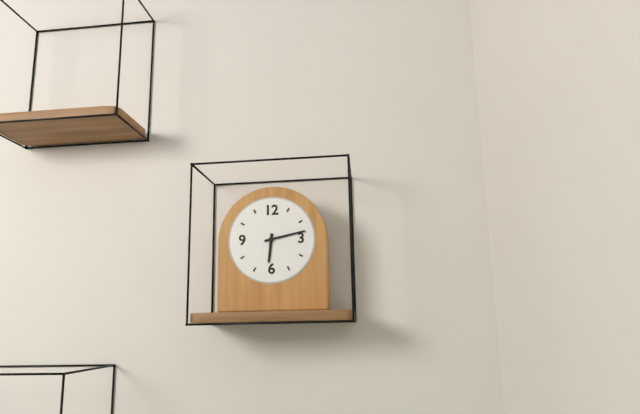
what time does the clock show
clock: 6:13
